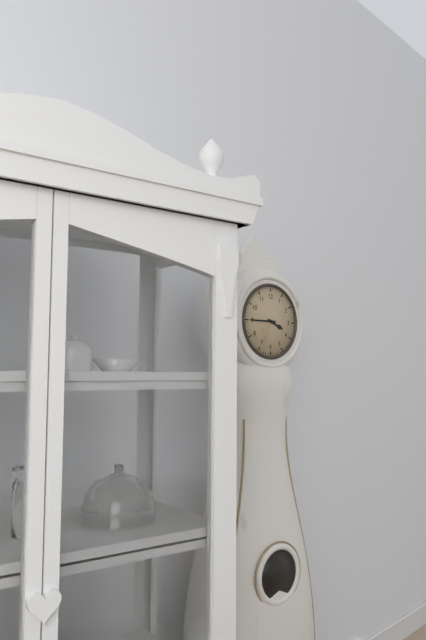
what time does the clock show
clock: 3:45
